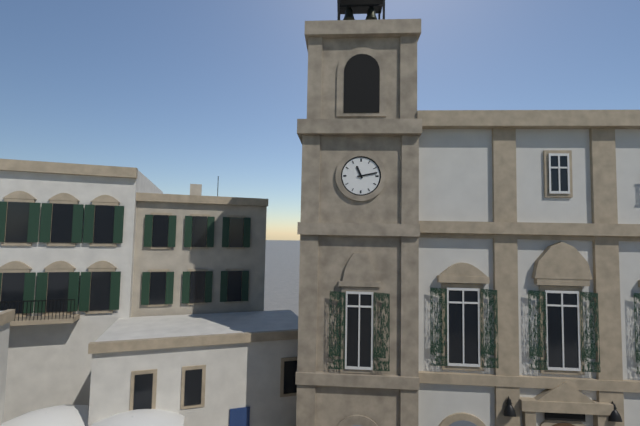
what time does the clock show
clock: 11:13
